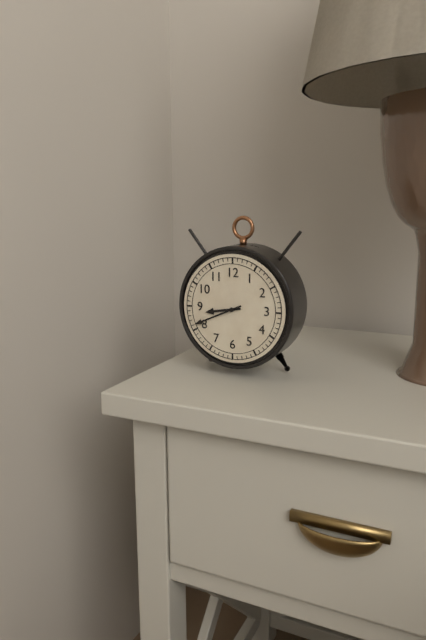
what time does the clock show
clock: 8:41
